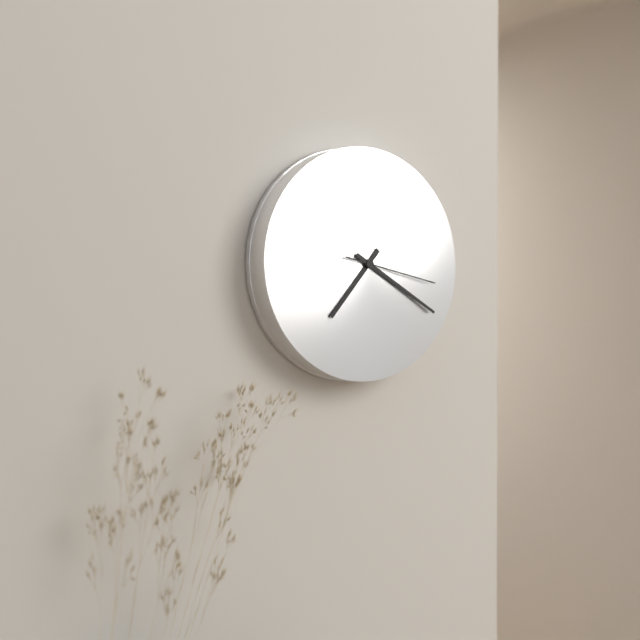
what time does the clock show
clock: 7:20:17
